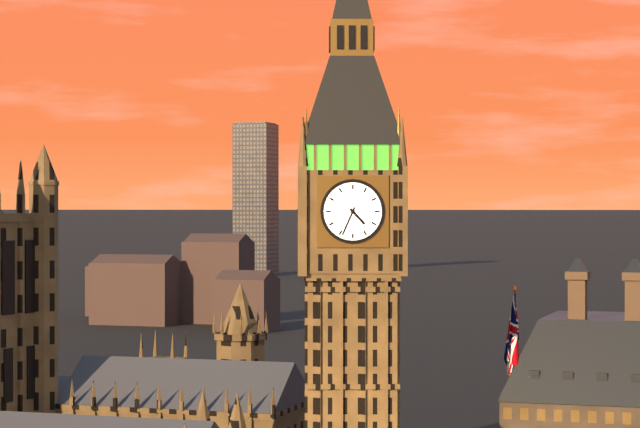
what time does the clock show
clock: 4:34
